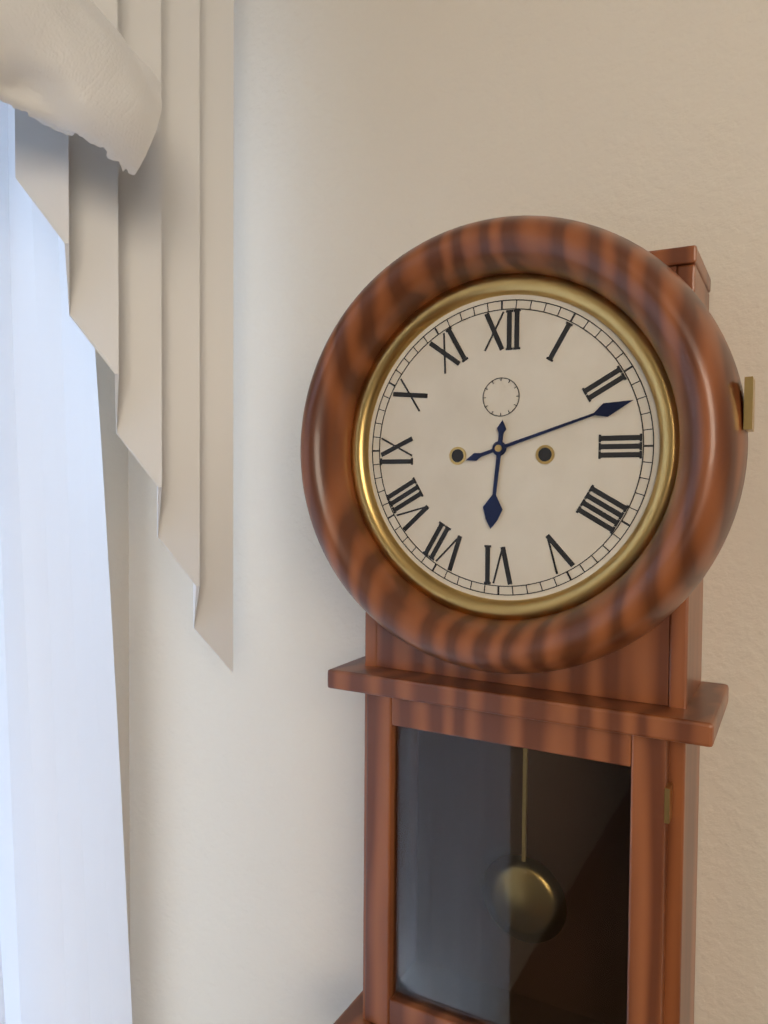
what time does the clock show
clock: 6:12
